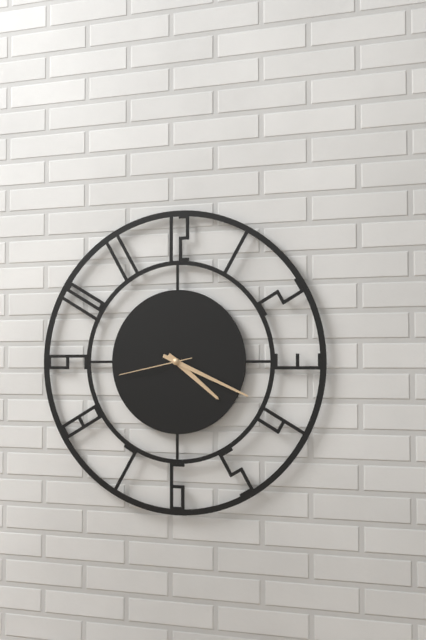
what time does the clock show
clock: 4:19:43
